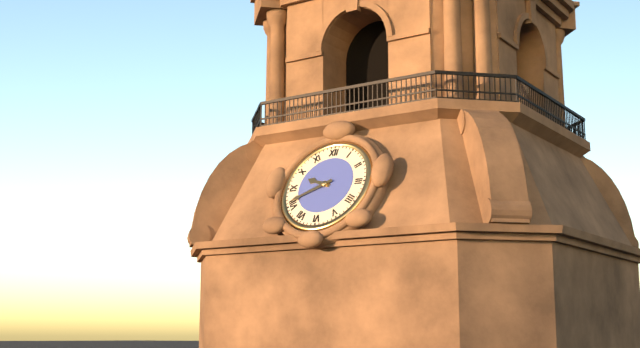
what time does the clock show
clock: 9:41
